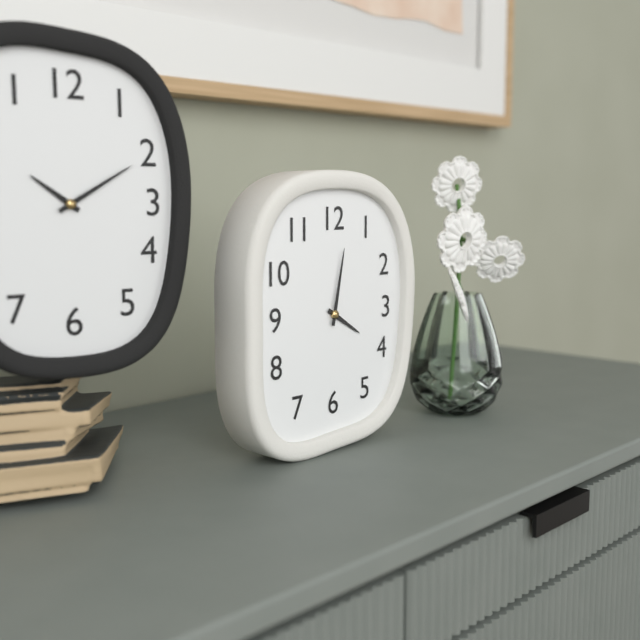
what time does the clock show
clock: 4:02
